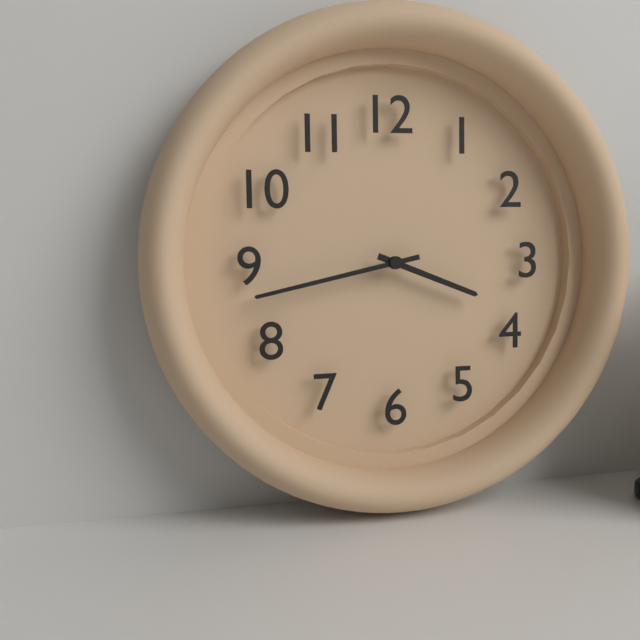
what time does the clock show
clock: 3:43
